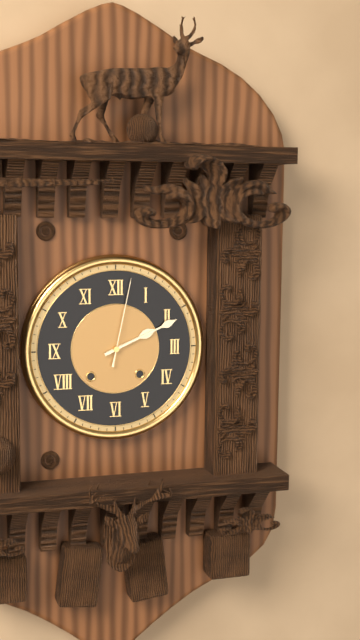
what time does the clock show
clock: 2:11:02
